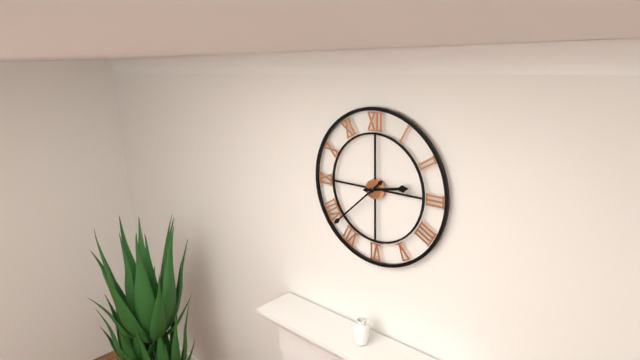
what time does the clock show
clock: 2:38
